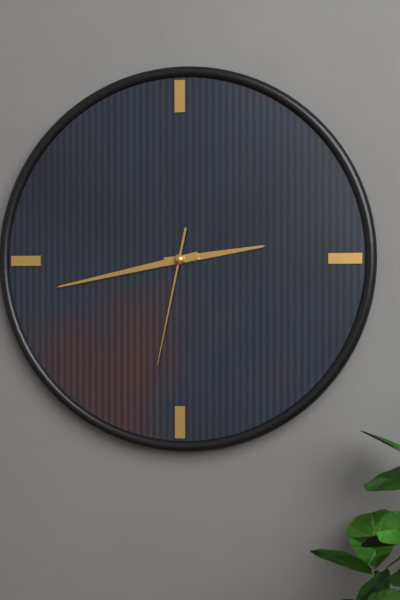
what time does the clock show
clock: 2:43:32
